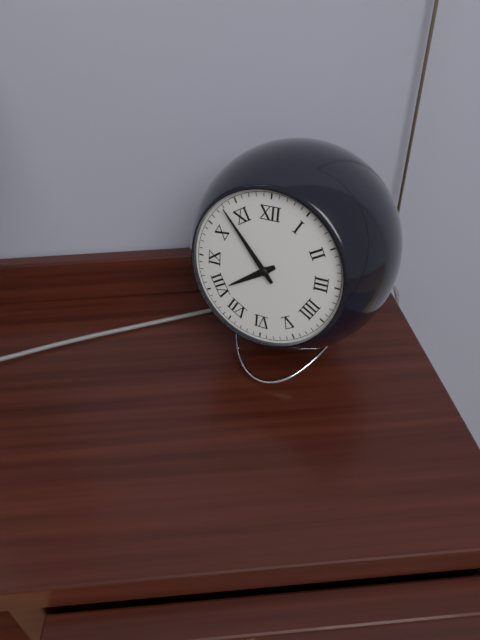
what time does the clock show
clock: 7:53
